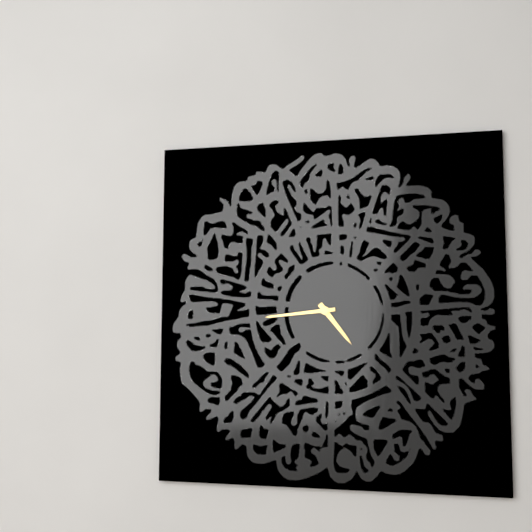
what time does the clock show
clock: 4:44
